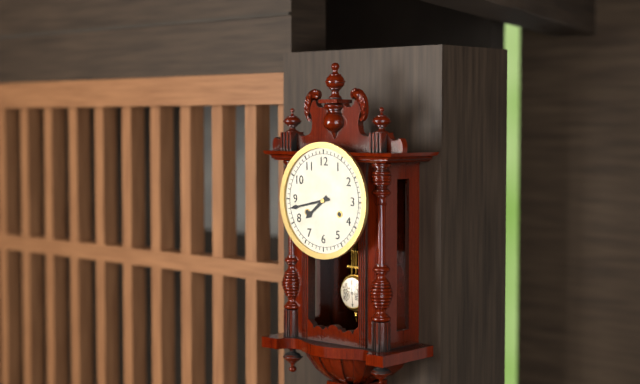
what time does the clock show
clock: 7:43
